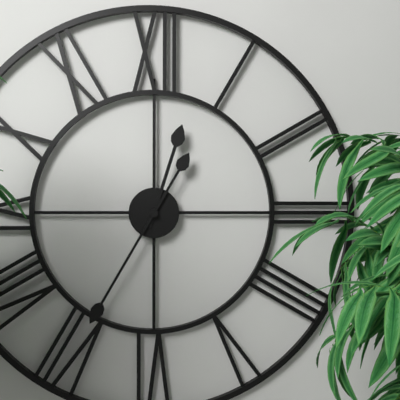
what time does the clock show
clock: 12:35
